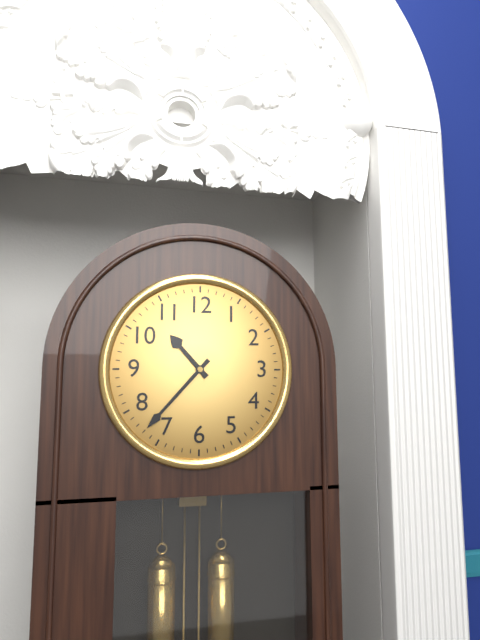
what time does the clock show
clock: 10:37
